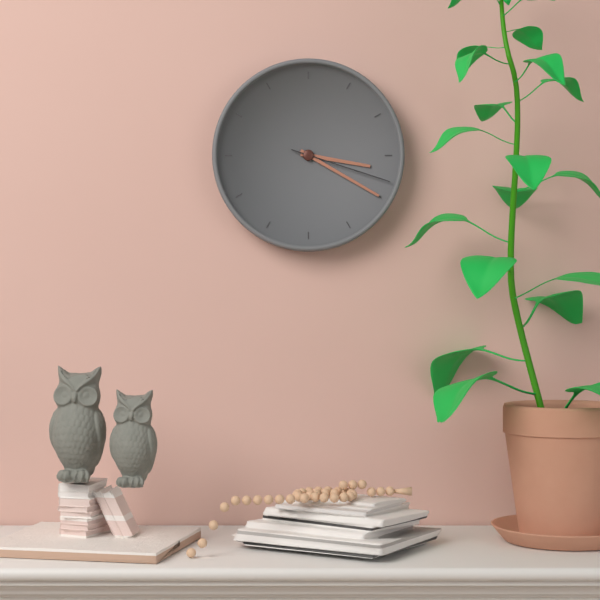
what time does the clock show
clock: 3:20:18
